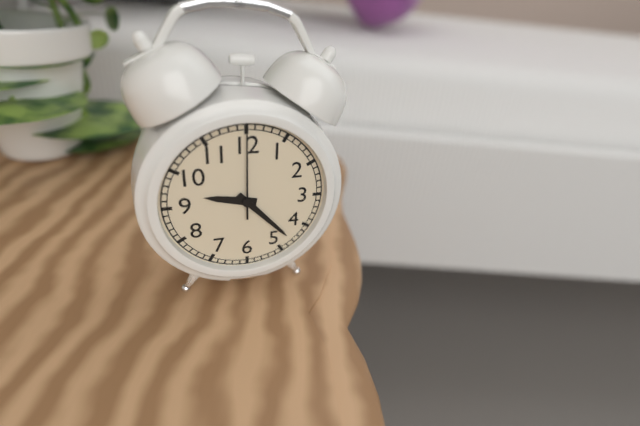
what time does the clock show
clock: 9:23:00
